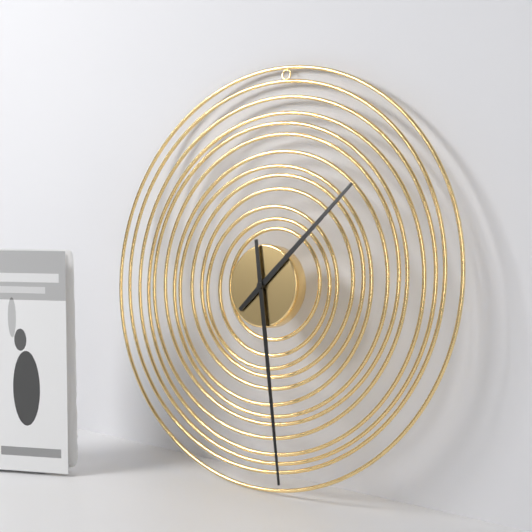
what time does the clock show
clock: 1:28
